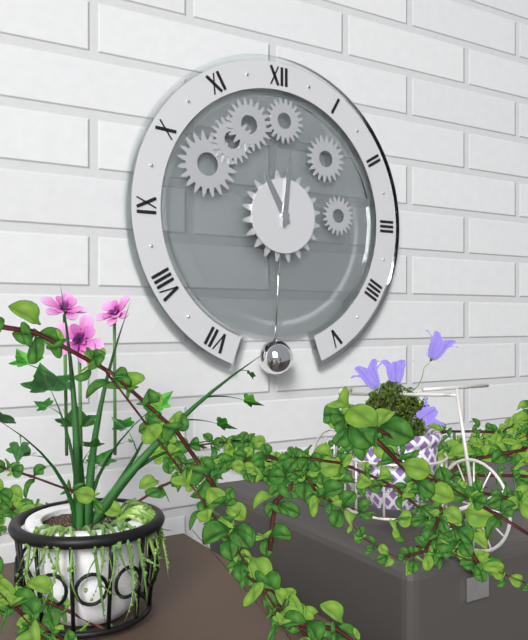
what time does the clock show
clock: 11:01
